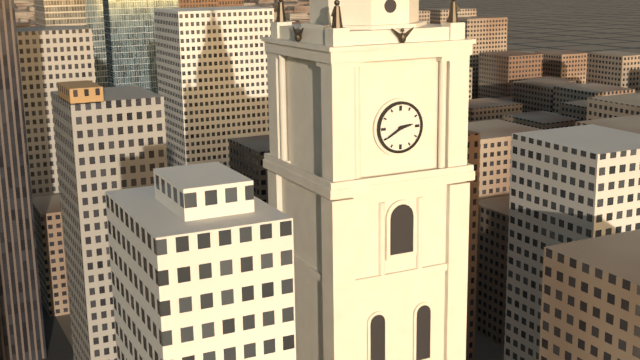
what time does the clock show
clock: 2:40
